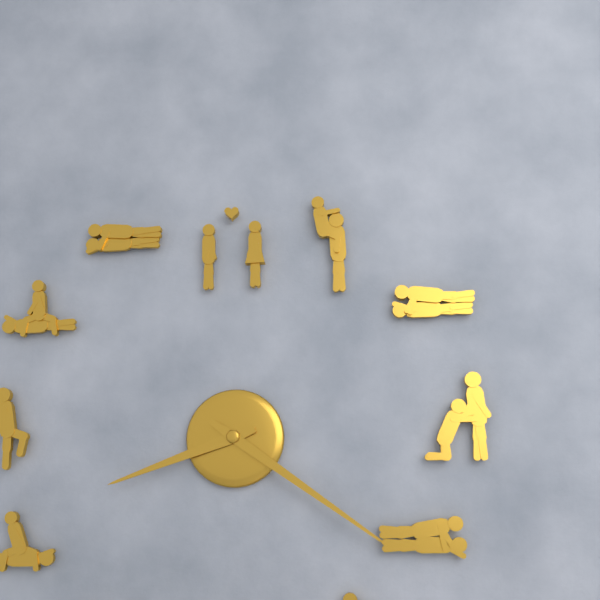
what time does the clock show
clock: 8:21
